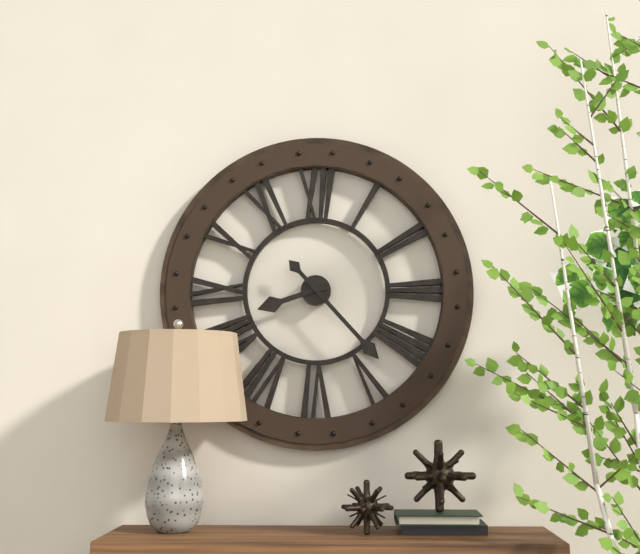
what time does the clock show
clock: 8:23
